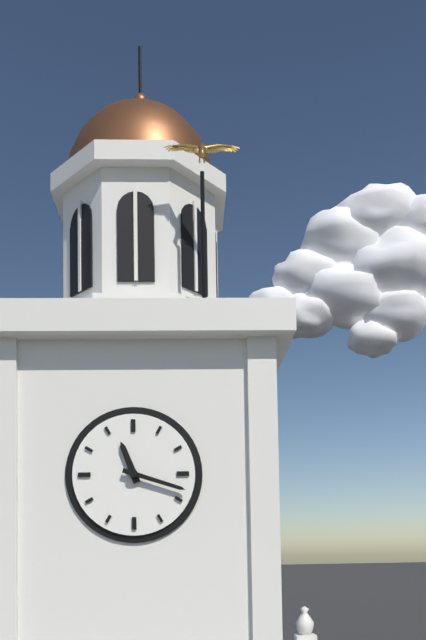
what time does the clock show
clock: 11:18
